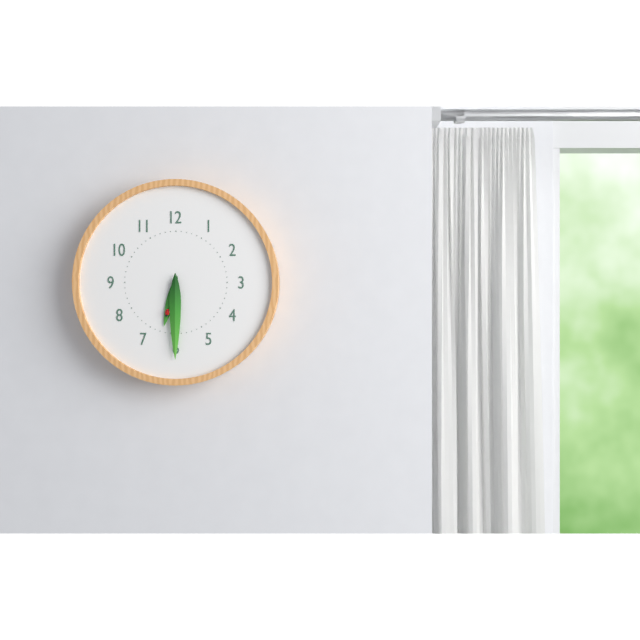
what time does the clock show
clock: 6:30
